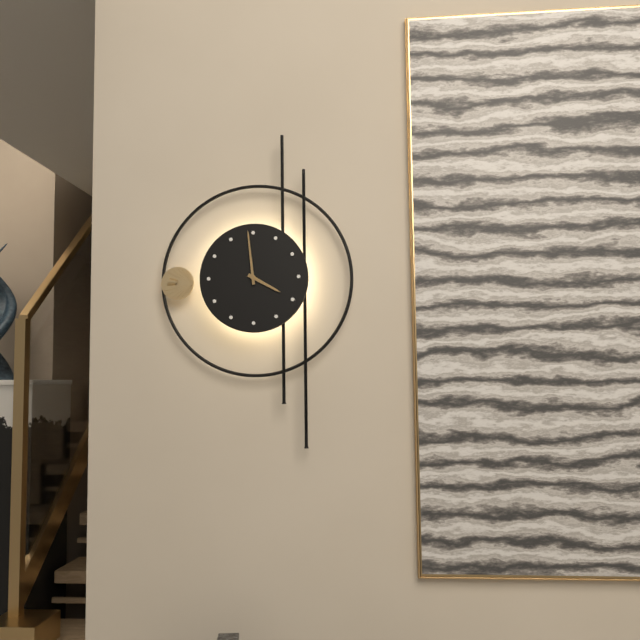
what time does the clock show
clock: 3:59
